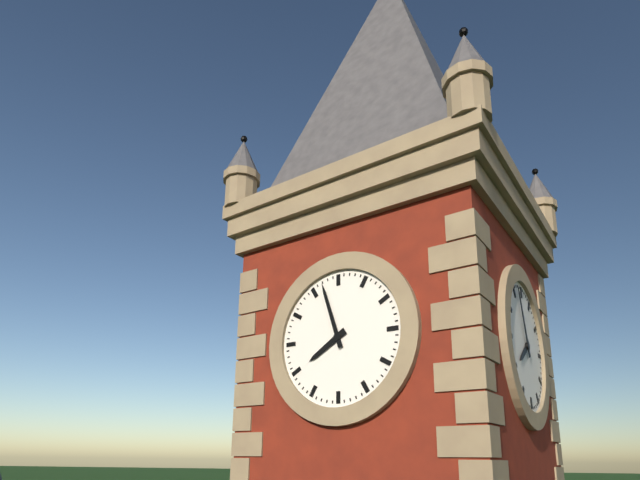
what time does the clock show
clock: 7:57
